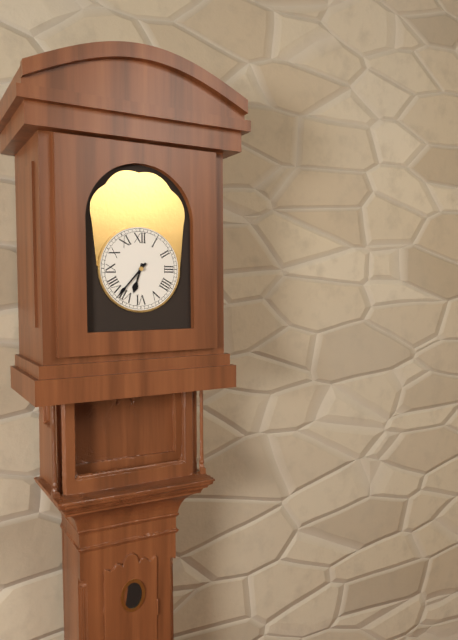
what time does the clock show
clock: 6:37
